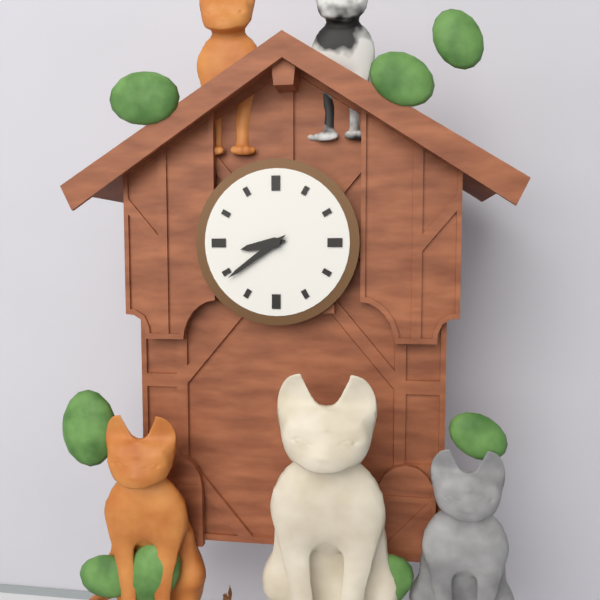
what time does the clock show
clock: 8:39
